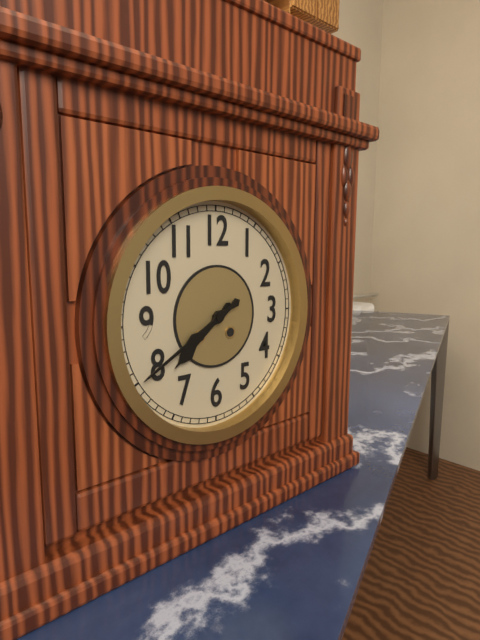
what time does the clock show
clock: 7:40
